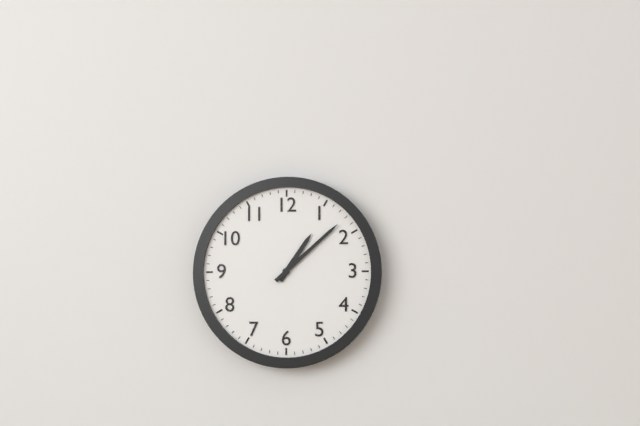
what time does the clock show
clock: 1:08
